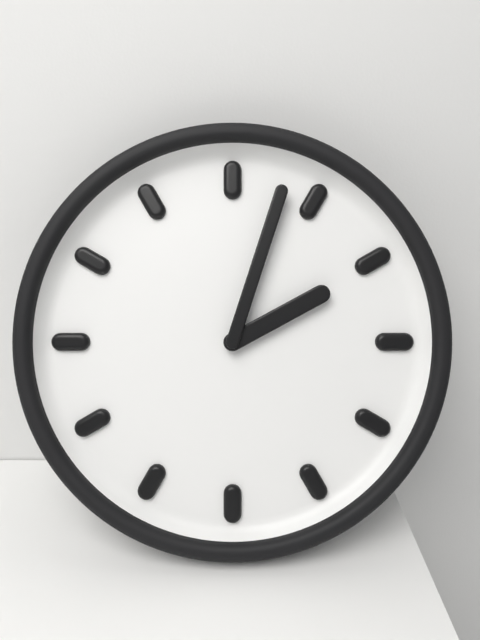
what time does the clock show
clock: 2:03
